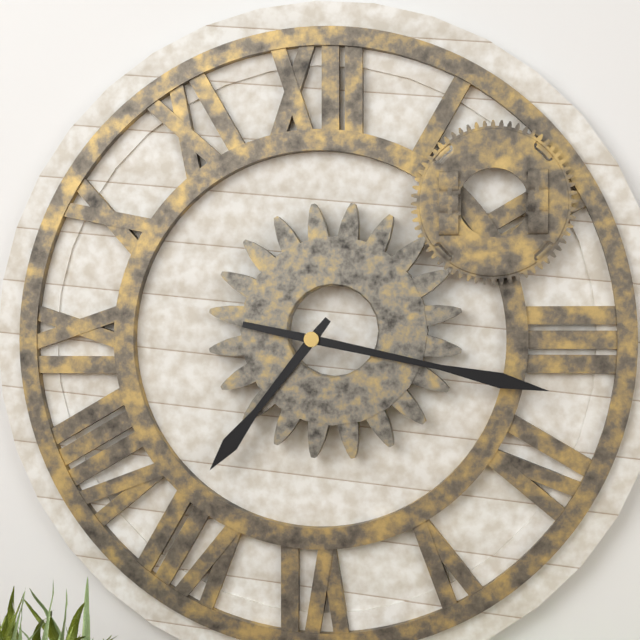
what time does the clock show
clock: 7:17
